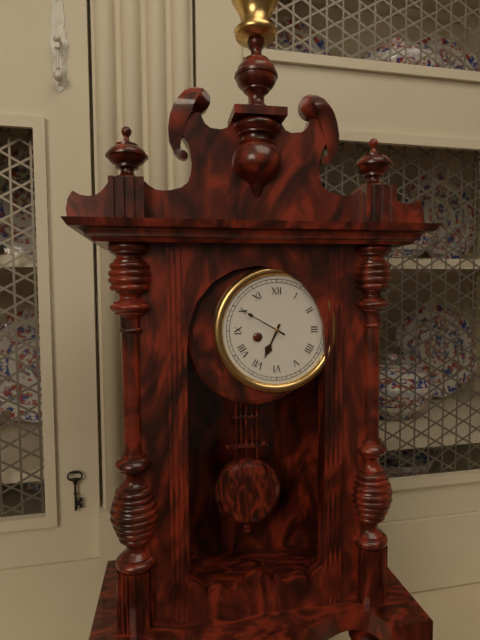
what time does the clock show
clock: 6:50
